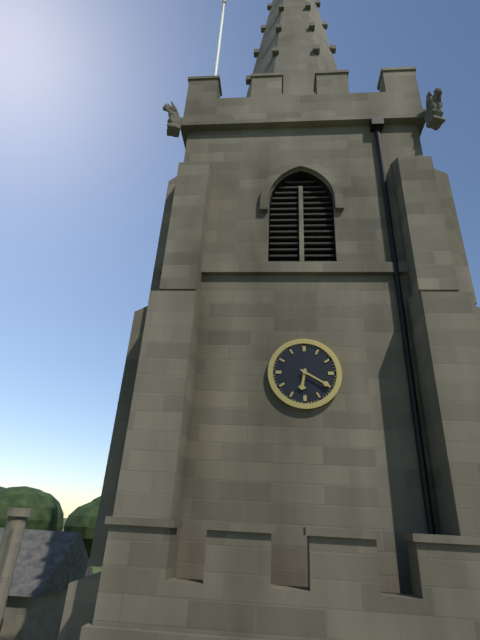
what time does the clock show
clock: 6:20
